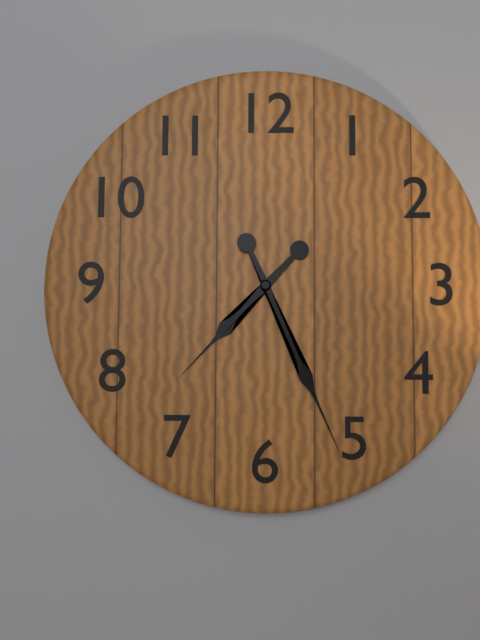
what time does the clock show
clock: 7:26
